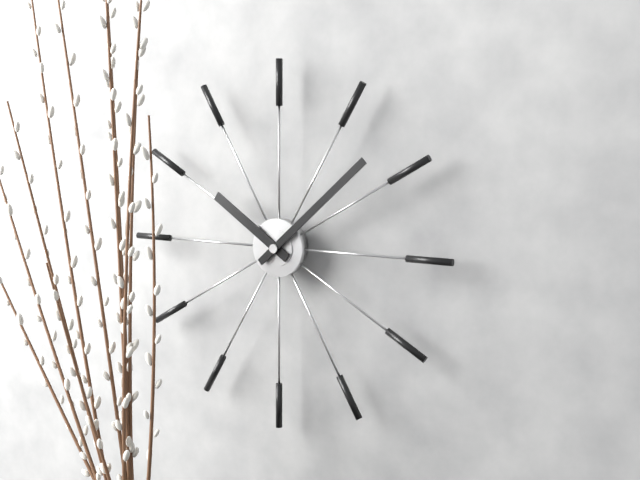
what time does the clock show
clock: 10:08
